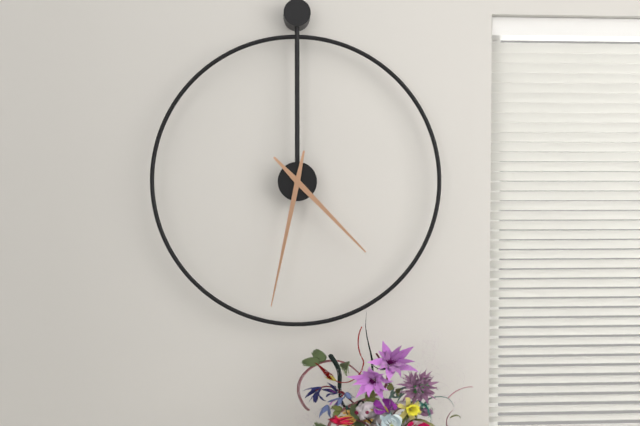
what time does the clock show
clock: 4:32
